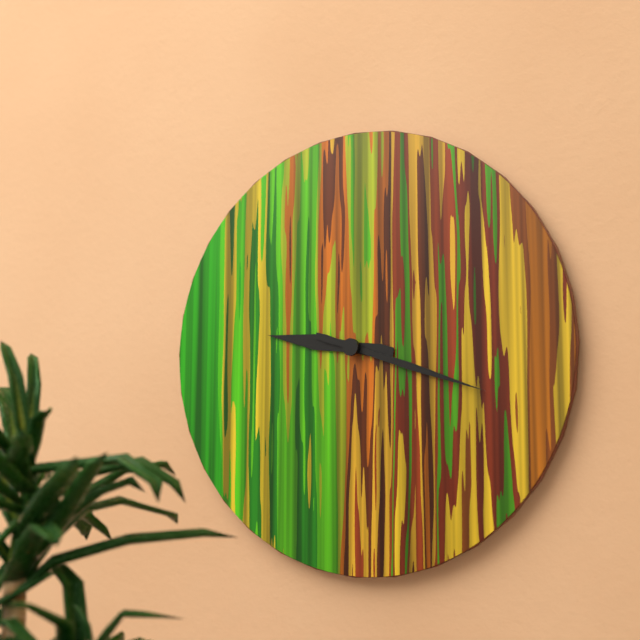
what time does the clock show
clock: 9:18
